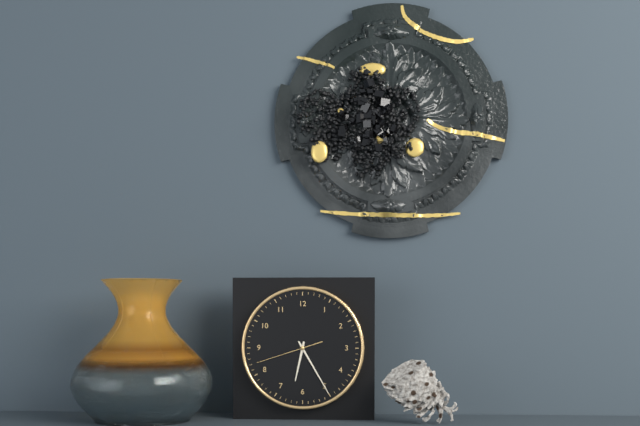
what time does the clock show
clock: 6:25:42
